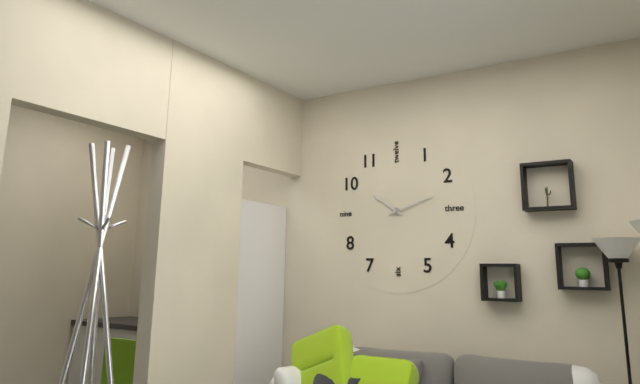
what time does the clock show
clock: 10:12
